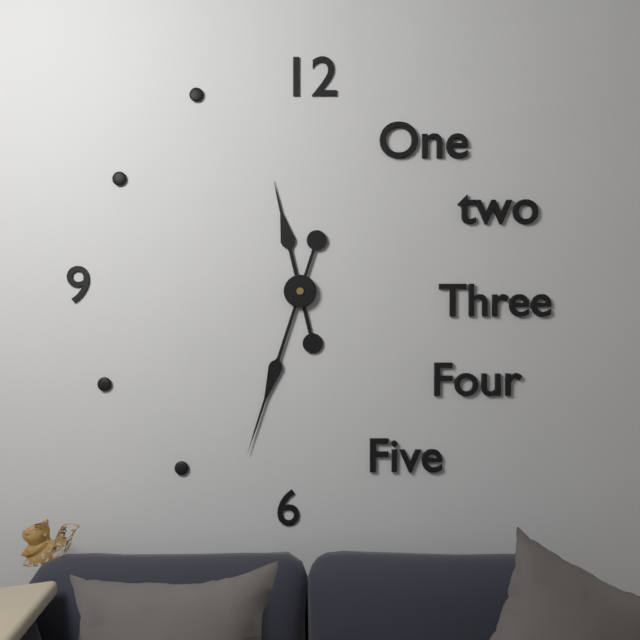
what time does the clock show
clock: 11:33
